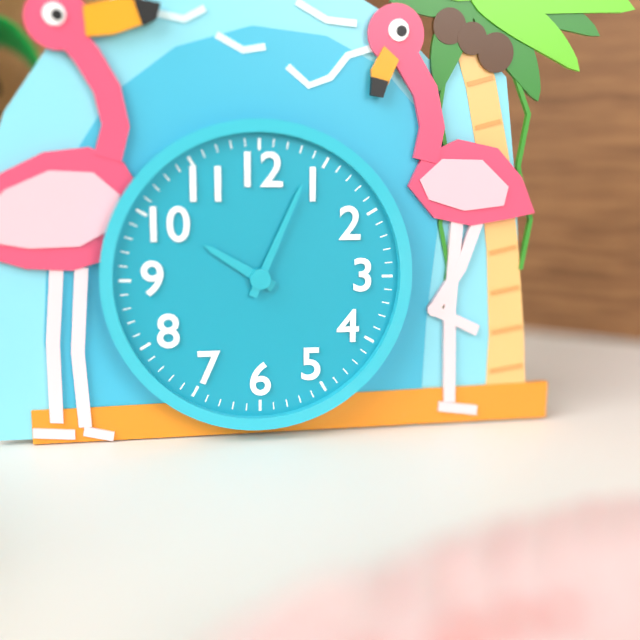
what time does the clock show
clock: 10:04
